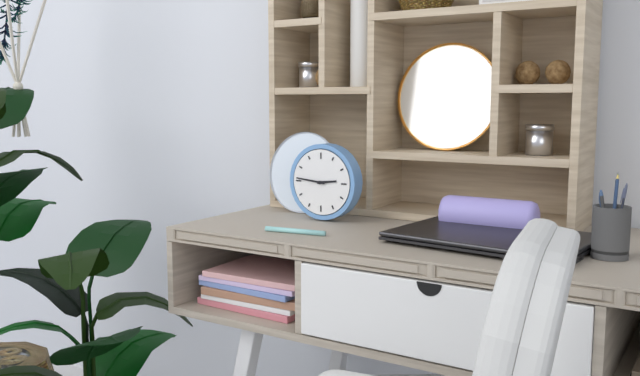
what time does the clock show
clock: 2:46
